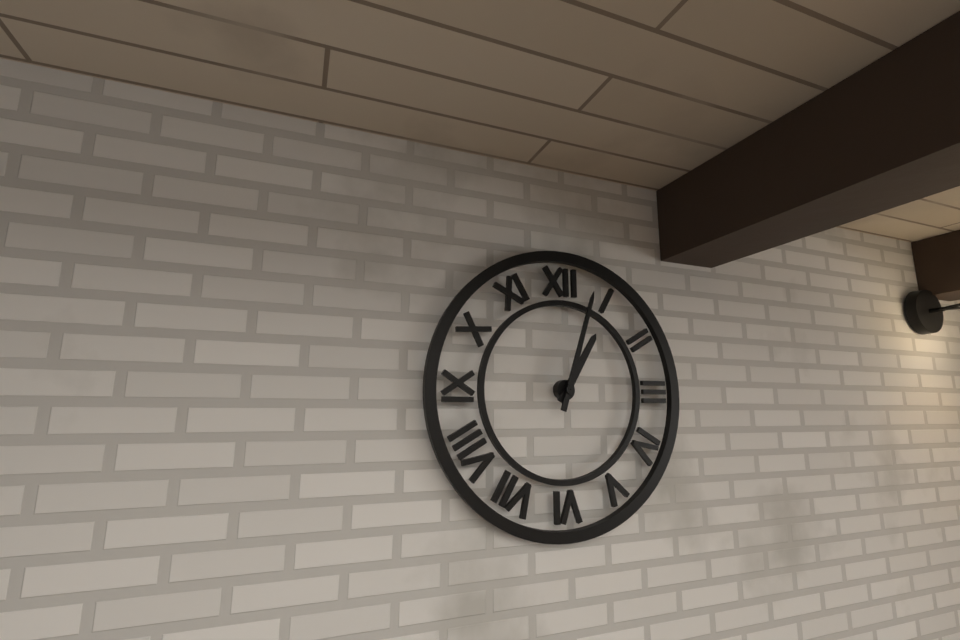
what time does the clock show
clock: 1:03
